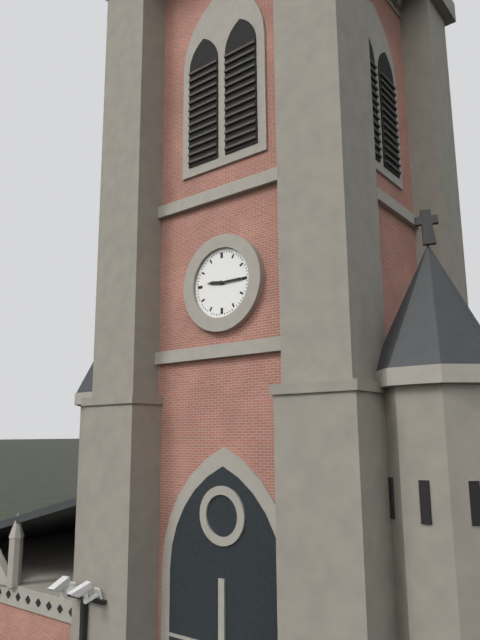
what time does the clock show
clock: 9:15
